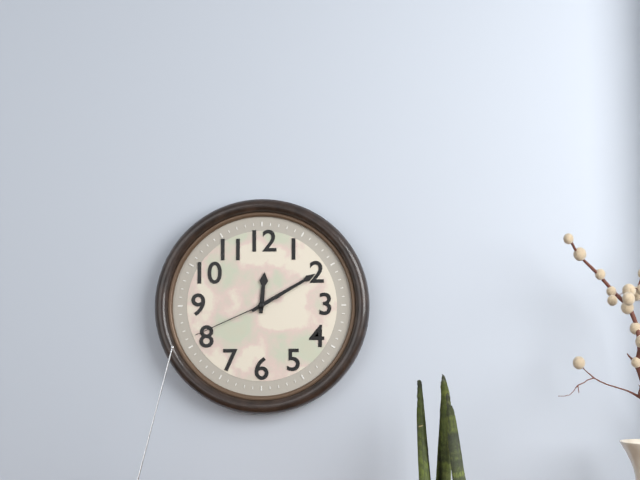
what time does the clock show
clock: 12:10:41
